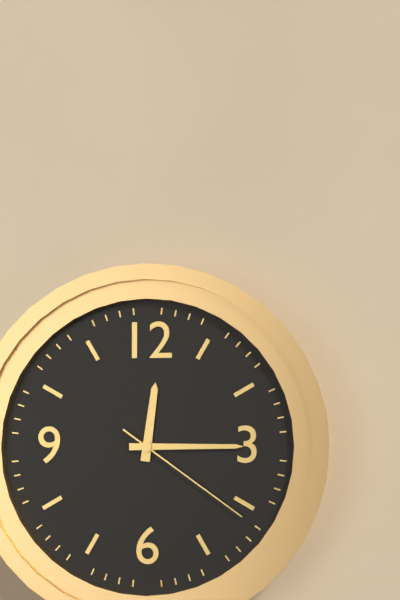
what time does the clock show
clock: 12:15:21
